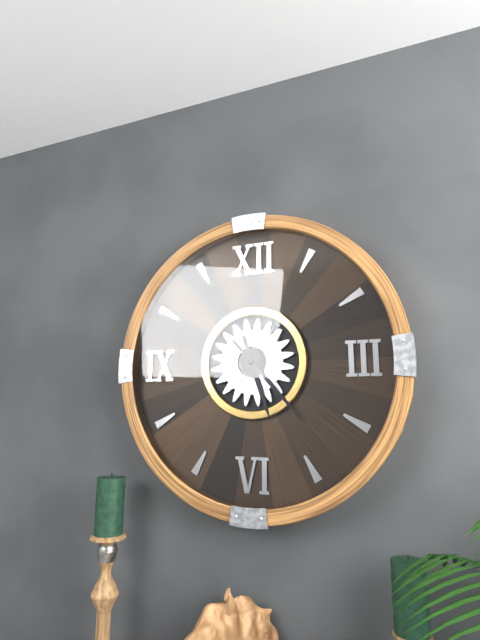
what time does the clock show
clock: 5:23
